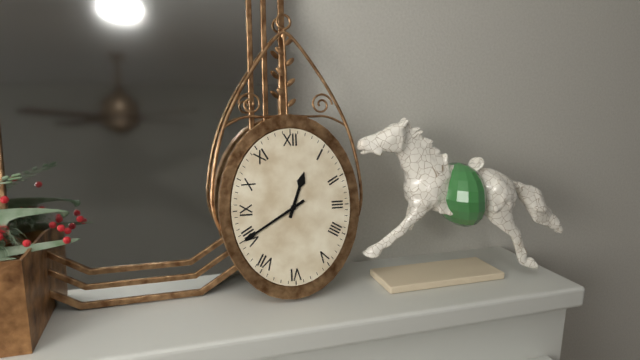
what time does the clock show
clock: 12:40
